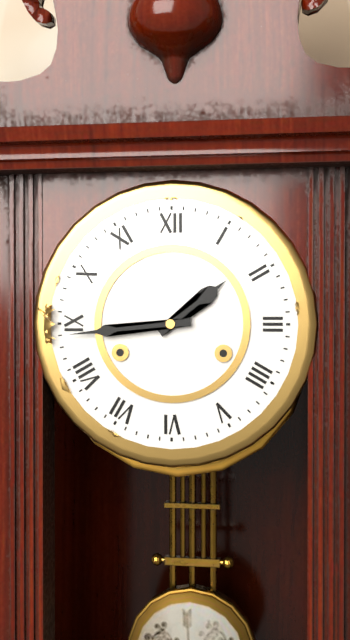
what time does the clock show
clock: 1:44
